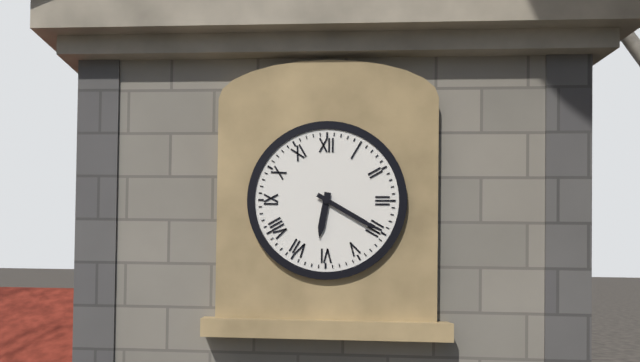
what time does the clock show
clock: 6:20
